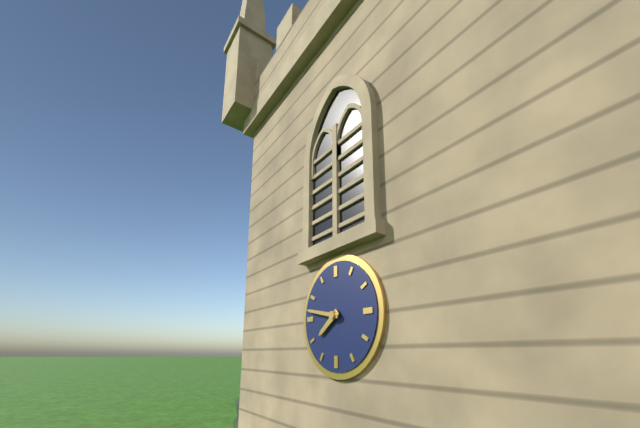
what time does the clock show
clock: 7:47
